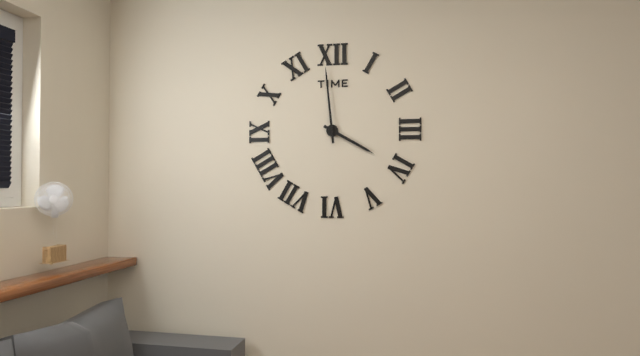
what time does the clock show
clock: 3:59
